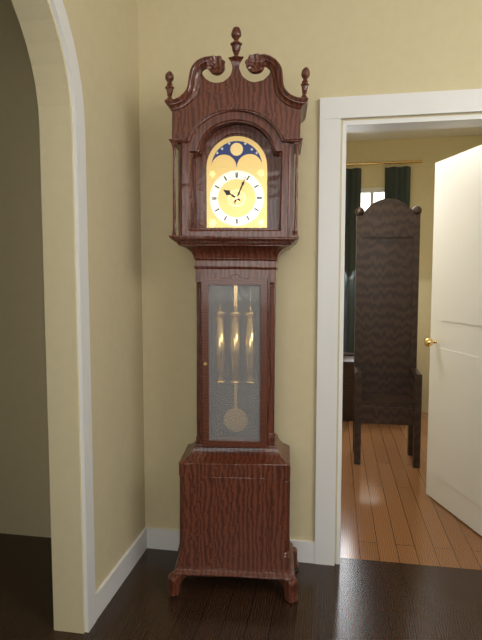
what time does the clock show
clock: 10:04
